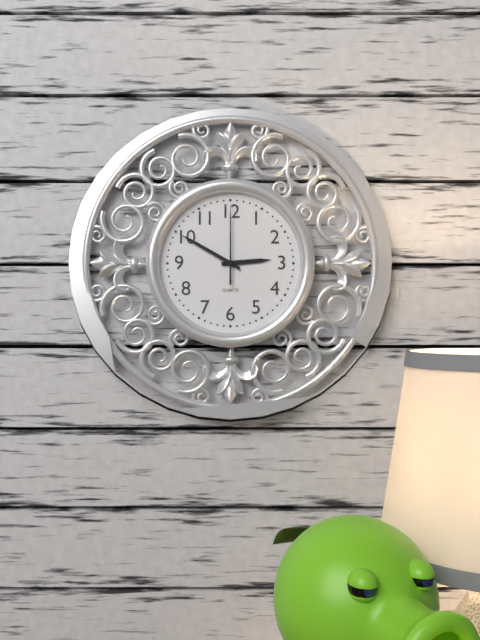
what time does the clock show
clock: 2:50:00
